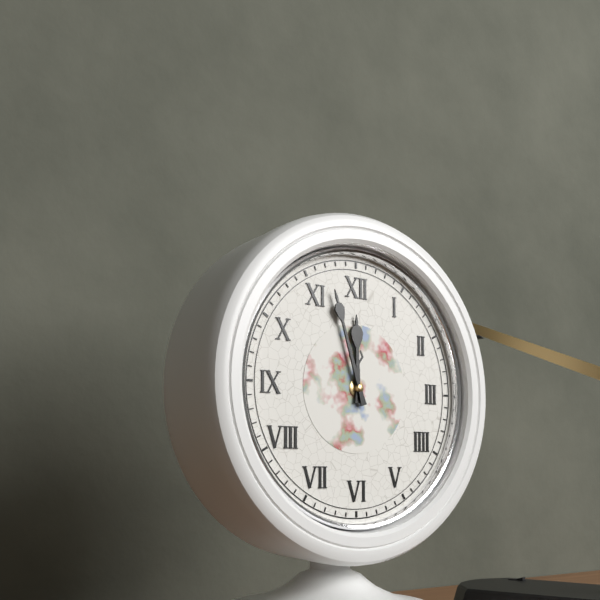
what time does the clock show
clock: 11:57
